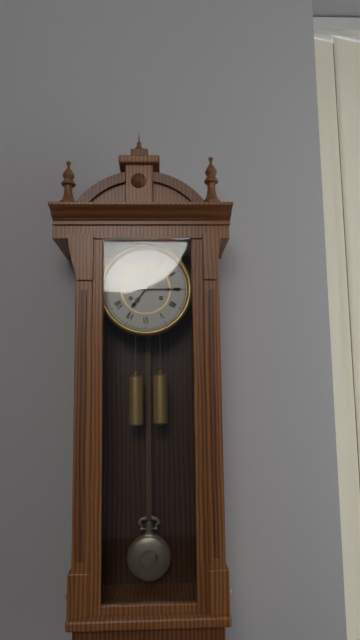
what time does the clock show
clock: 7:15
